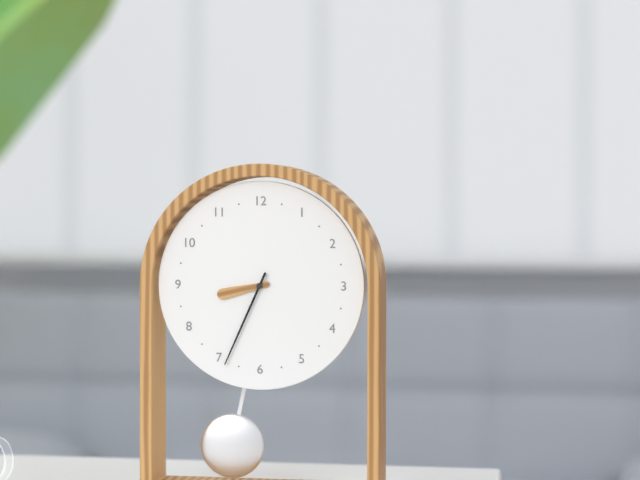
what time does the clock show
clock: 8:34
